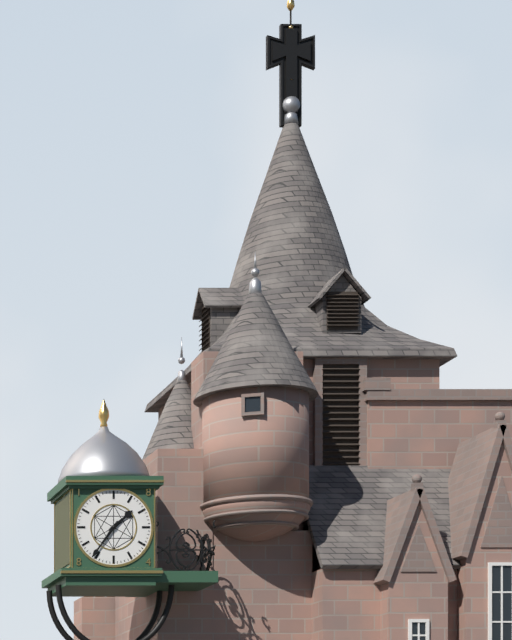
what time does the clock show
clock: 1:36
